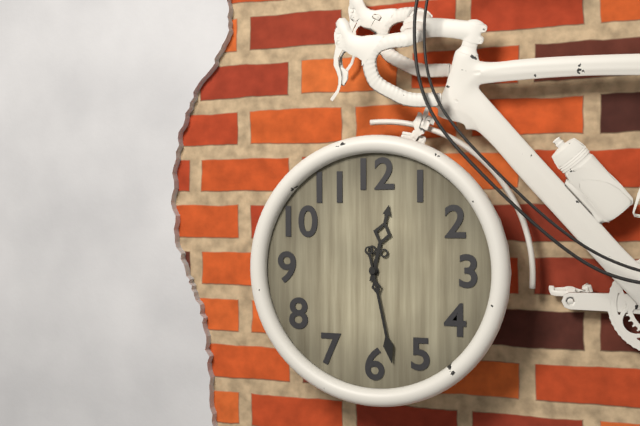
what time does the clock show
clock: 12:28
